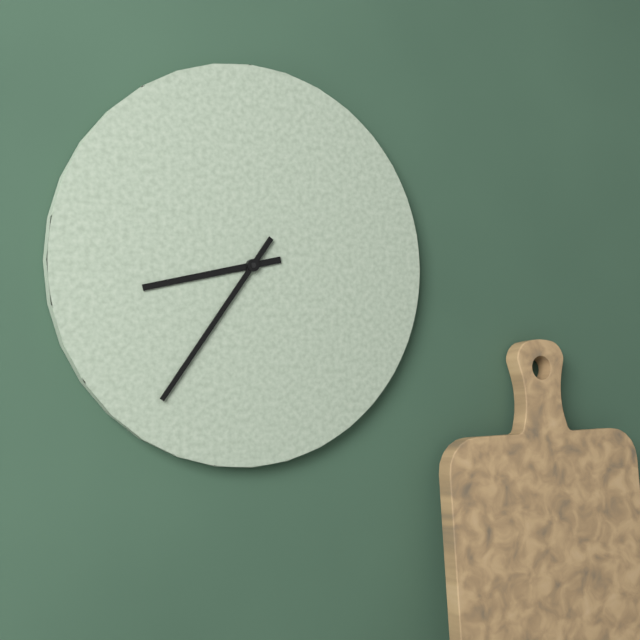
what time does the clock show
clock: 8:36
